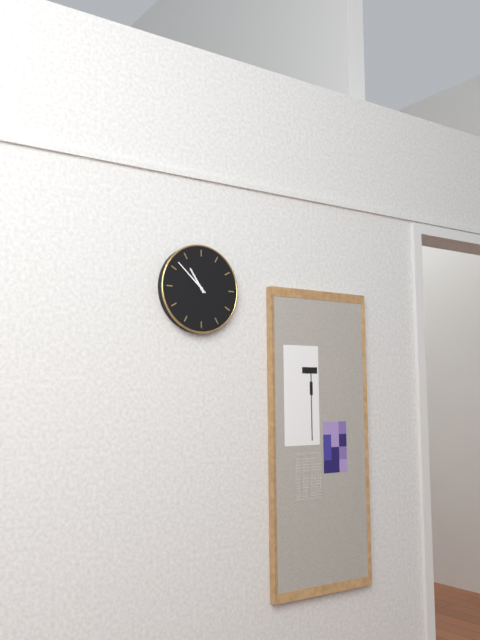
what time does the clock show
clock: 10:52
